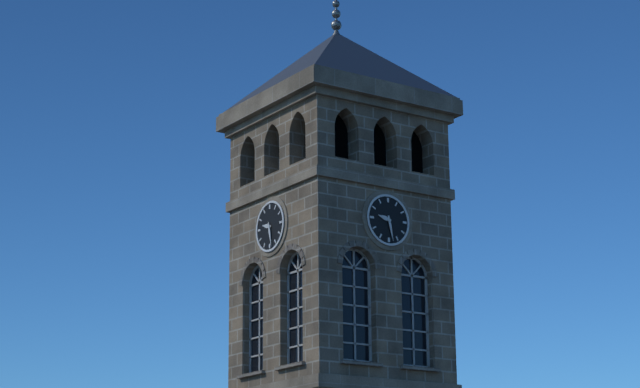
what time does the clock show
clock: 9:28
